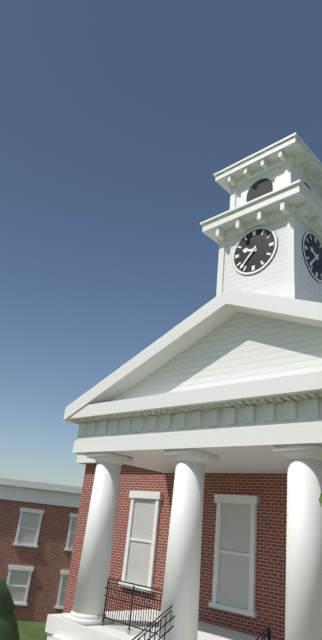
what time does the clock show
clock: 9:37
